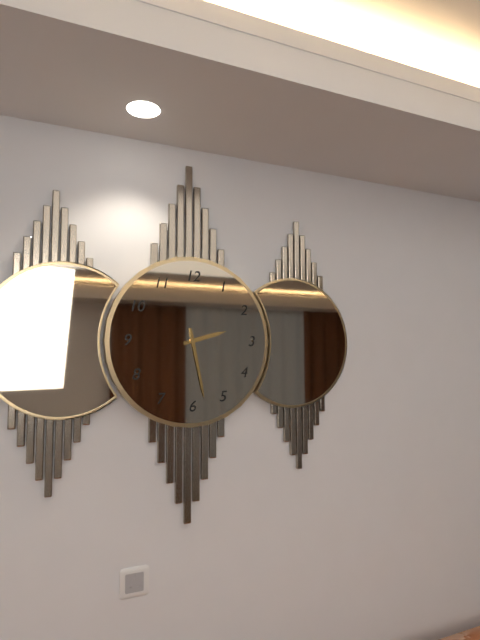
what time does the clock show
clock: 2:28
